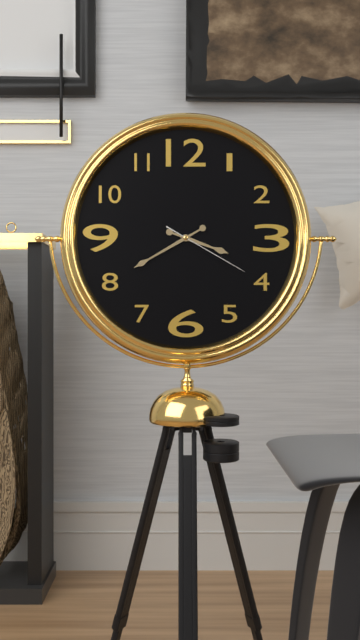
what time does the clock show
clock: 3:40:20
